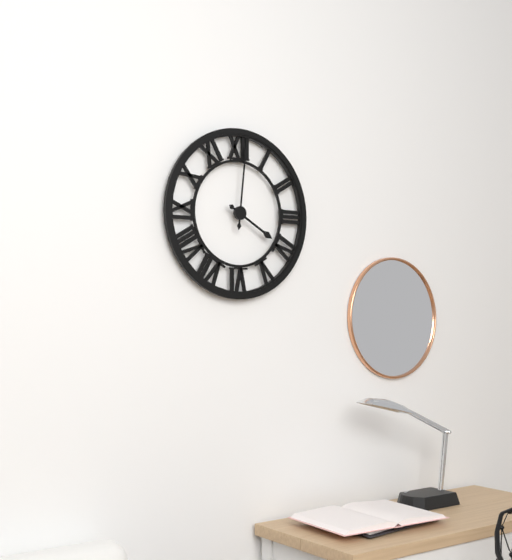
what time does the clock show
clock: 4:01
